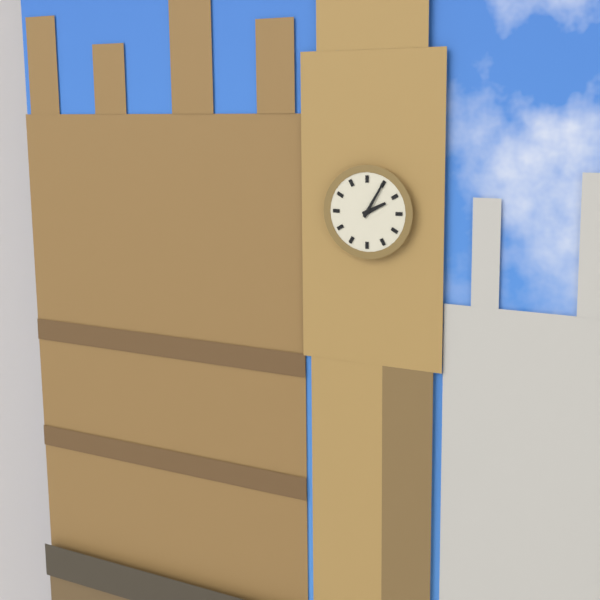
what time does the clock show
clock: 2:05
